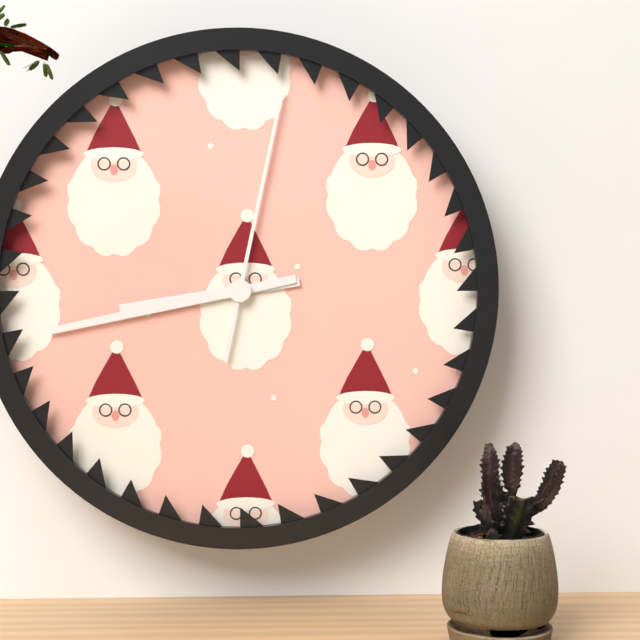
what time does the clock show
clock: 8:43:02
